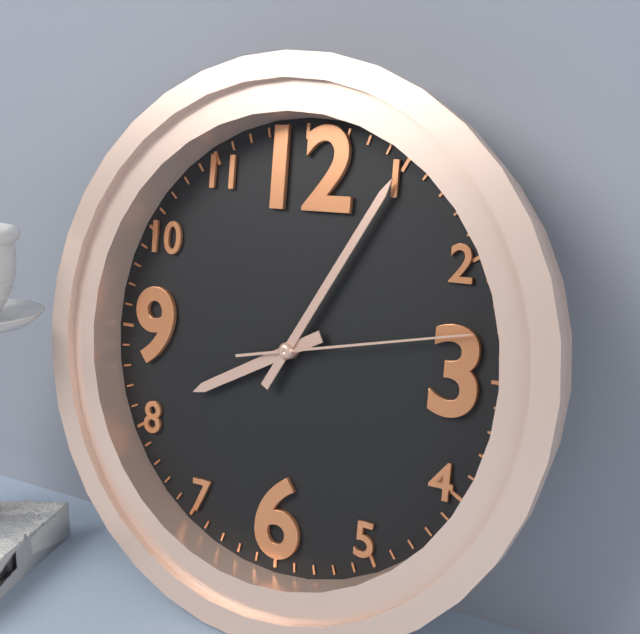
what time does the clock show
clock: 8:05:13
